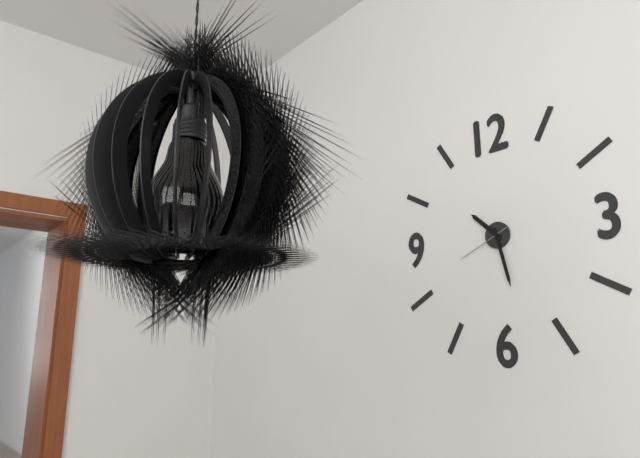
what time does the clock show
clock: 10:28:41
